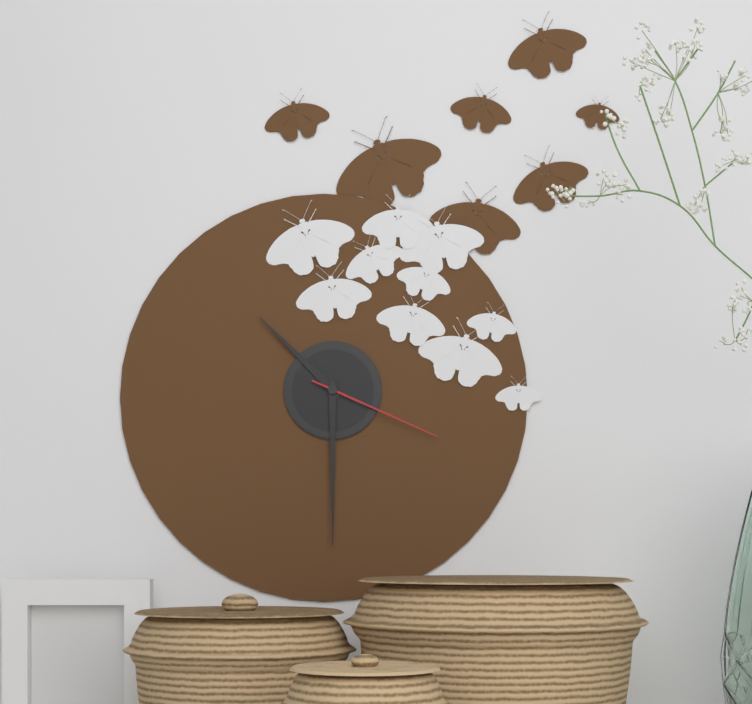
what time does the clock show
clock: 10:30:19
